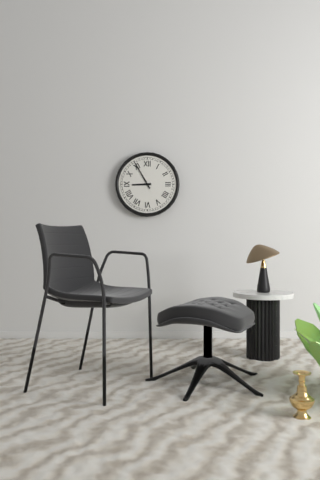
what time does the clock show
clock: 8:55
